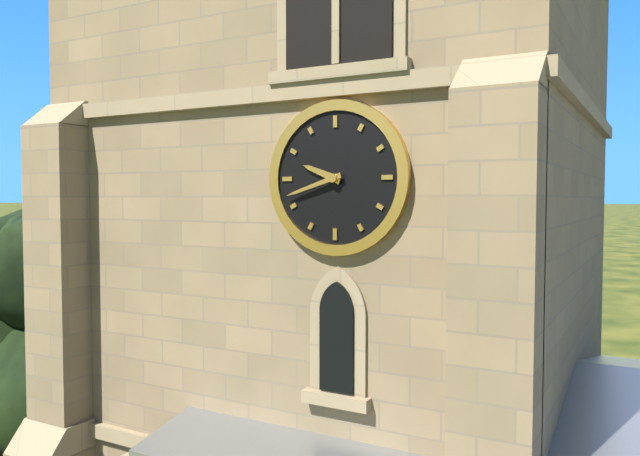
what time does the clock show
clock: 9:42
